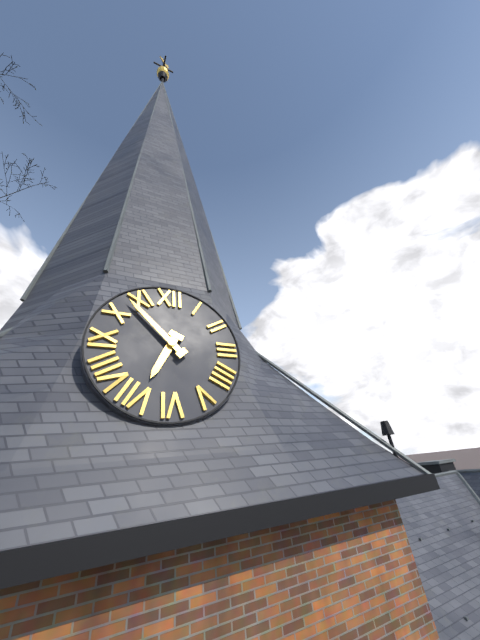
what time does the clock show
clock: 6:53
